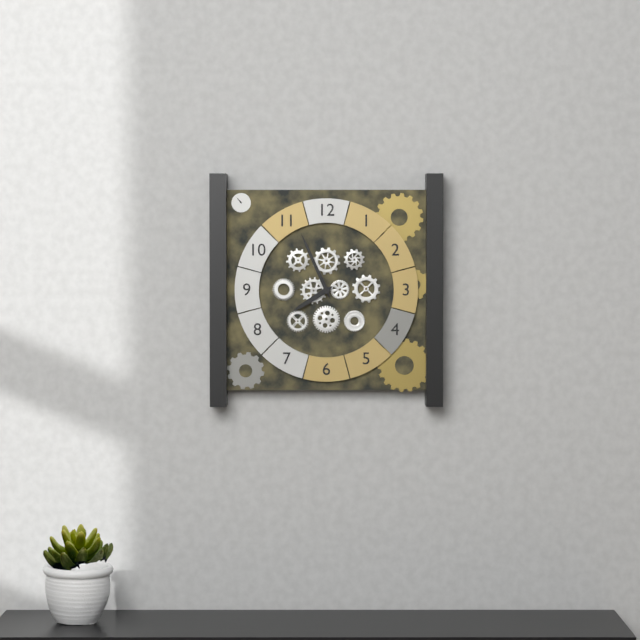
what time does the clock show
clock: 7:56
